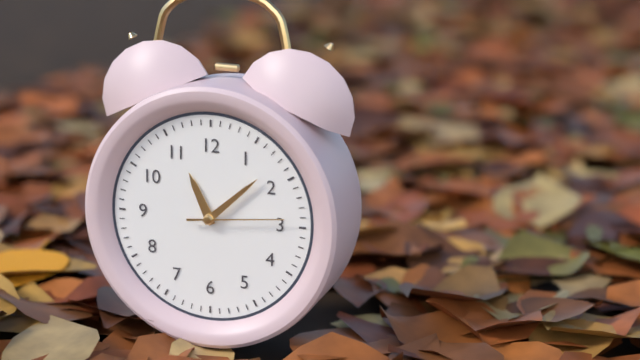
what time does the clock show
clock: 11:08:14
